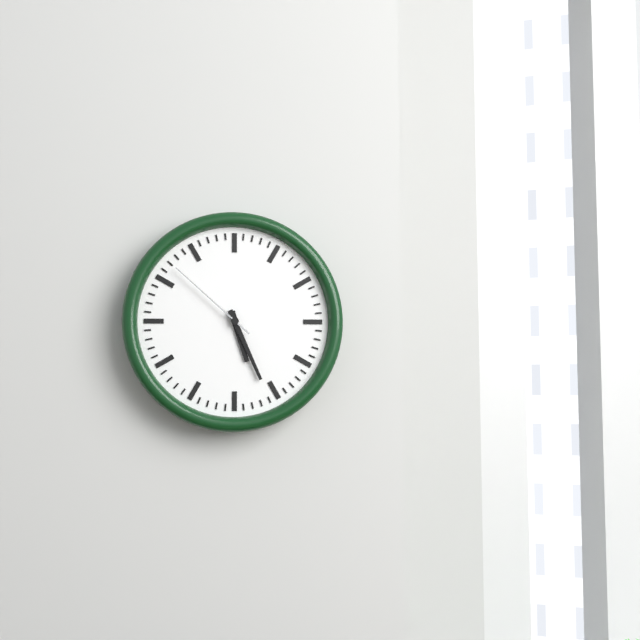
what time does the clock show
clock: 5:26:52
